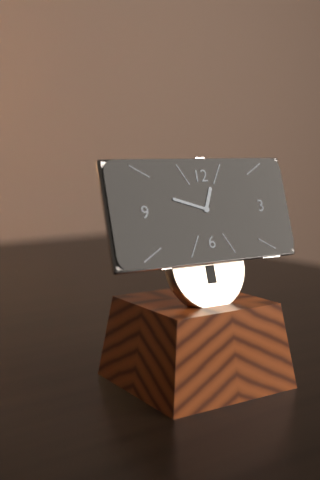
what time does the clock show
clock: 12:48
